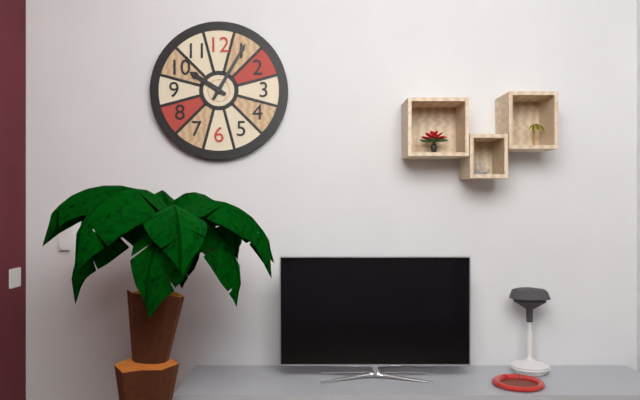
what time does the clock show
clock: 10:05
